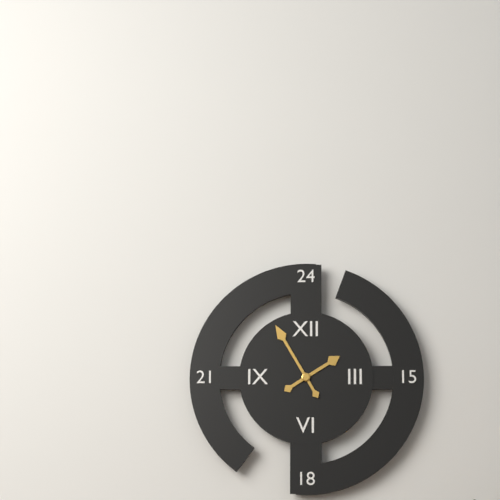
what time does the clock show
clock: 1:55
